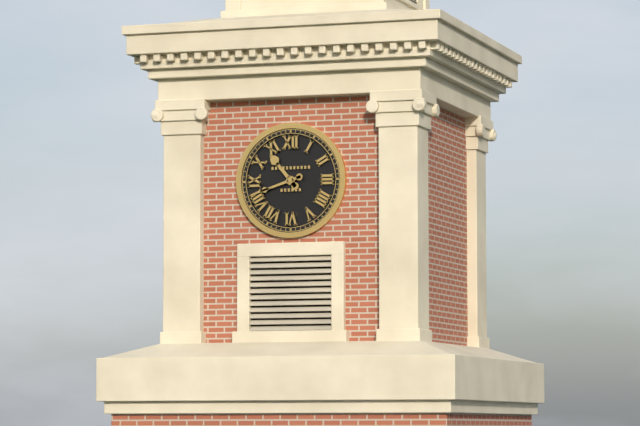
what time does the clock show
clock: 10:42
